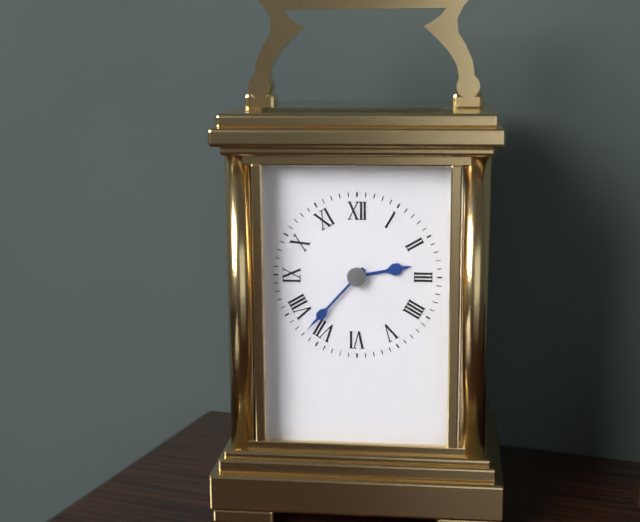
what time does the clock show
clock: 2:37
